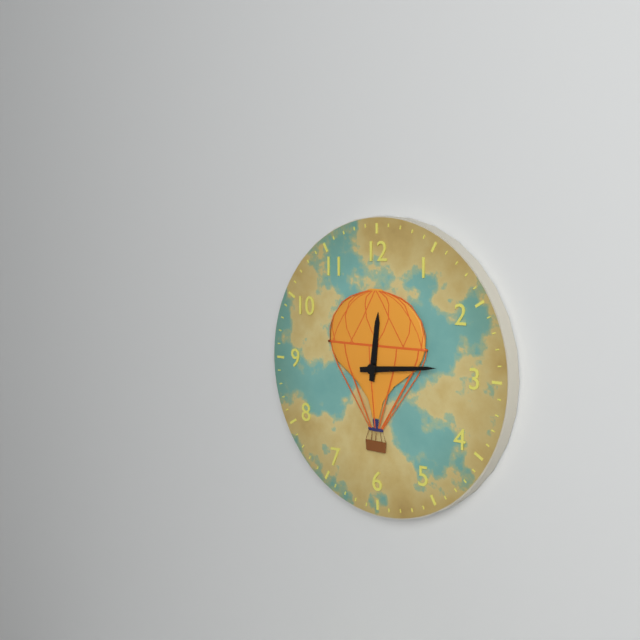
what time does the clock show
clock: 12:14
